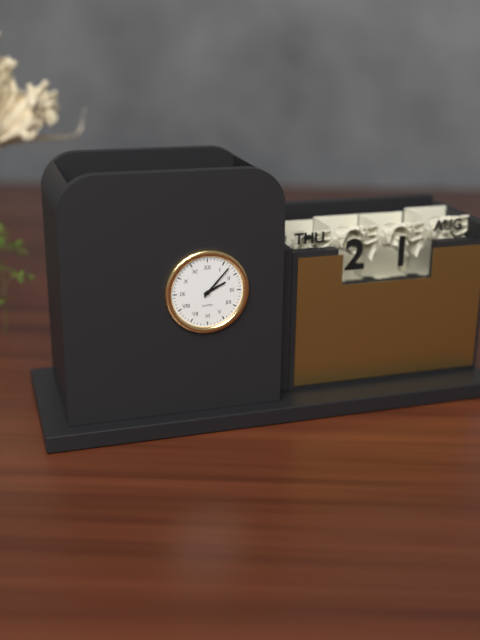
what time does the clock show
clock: 2:07
